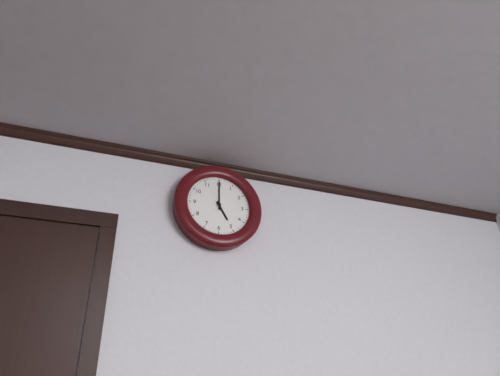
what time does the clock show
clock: 5:00
